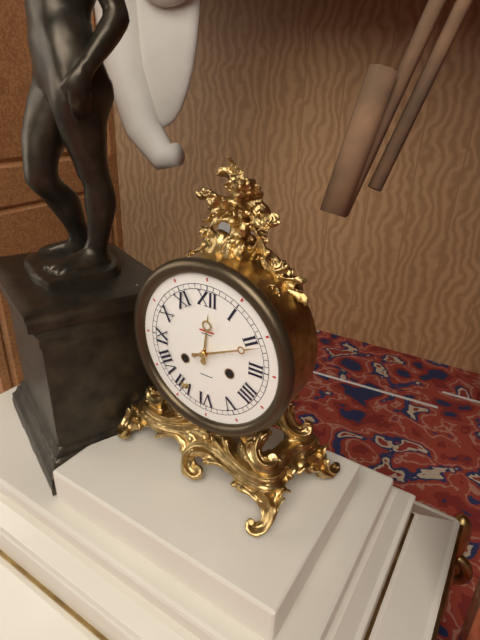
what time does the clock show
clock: 12:11
